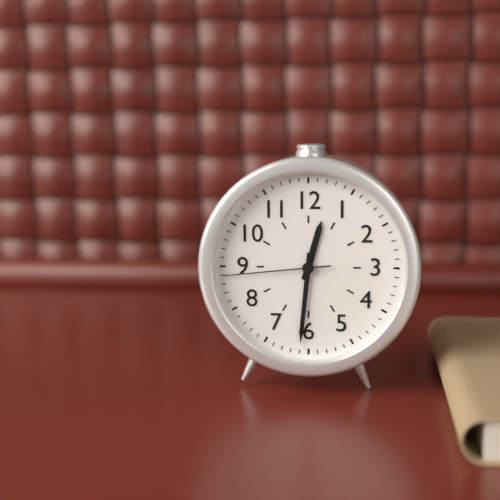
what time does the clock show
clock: 12:31:44
